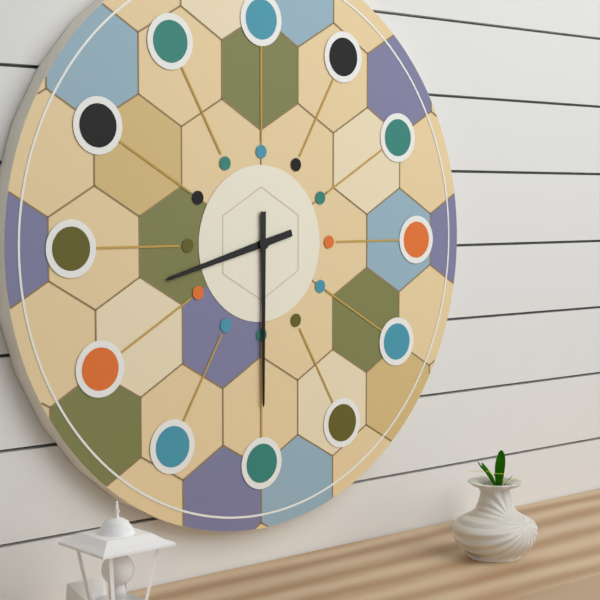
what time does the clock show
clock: 8:30
